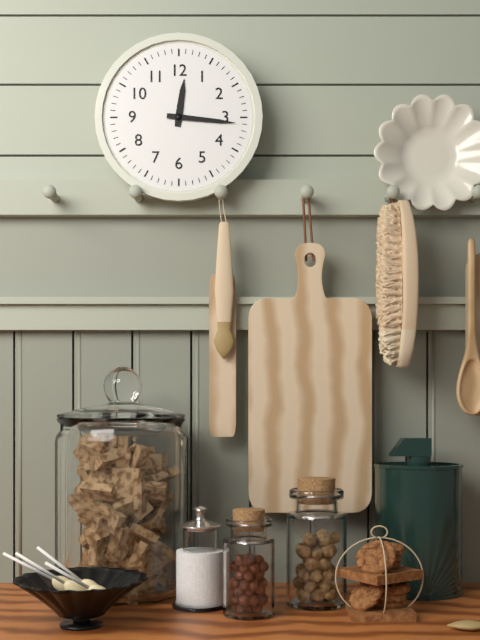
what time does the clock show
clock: 12:16
